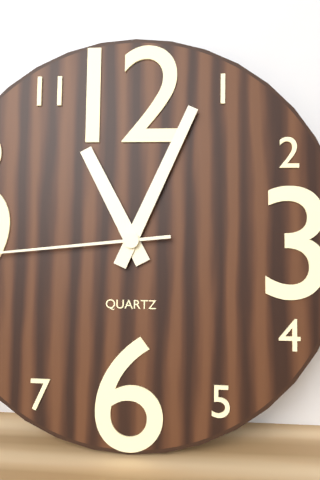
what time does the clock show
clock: 11:04
